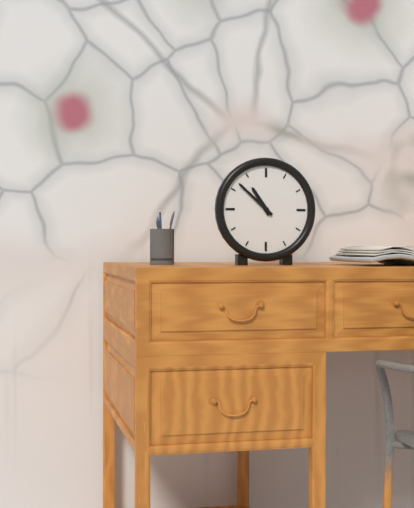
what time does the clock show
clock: 10:52
